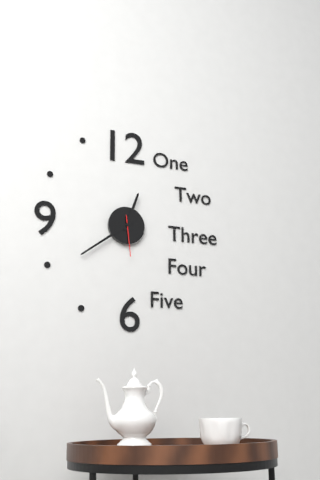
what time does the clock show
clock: 12:39
